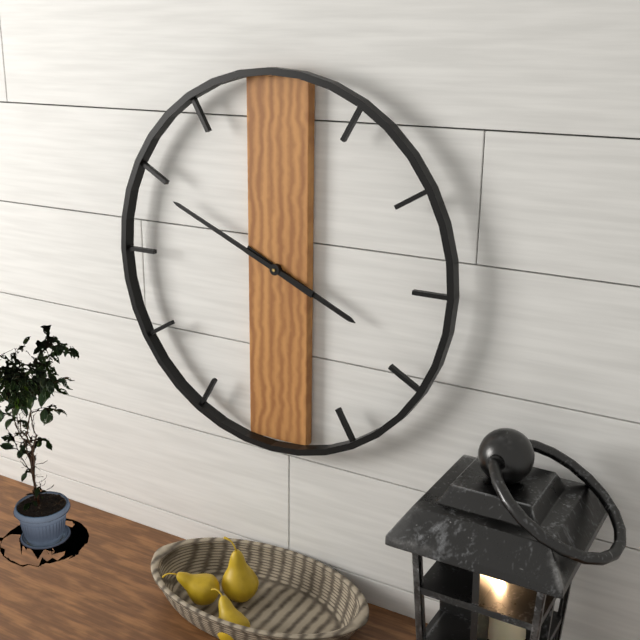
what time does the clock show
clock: 3:49
